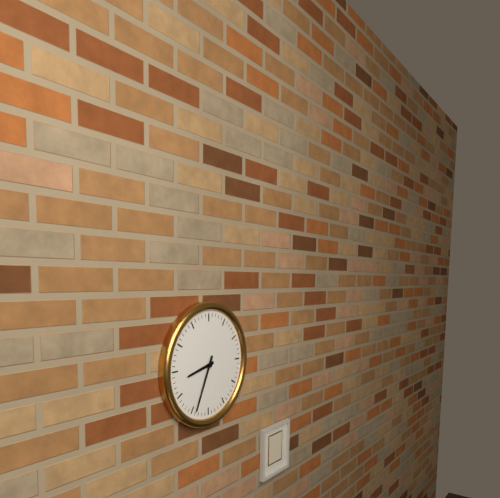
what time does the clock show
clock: 8:34
